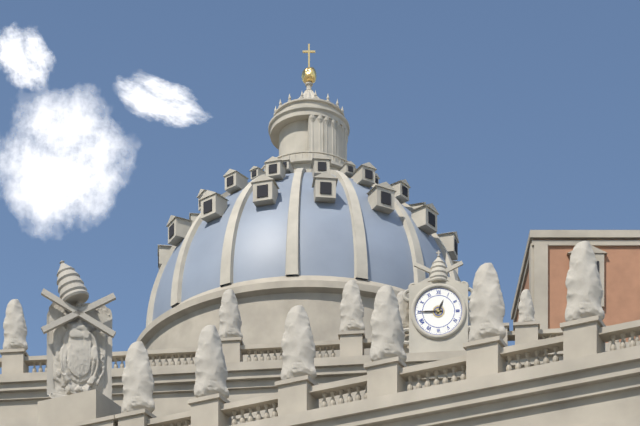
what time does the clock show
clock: 12:45
